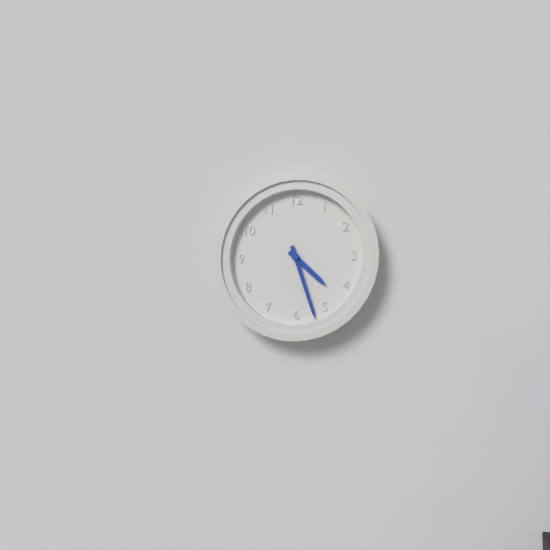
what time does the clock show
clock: 4:27
